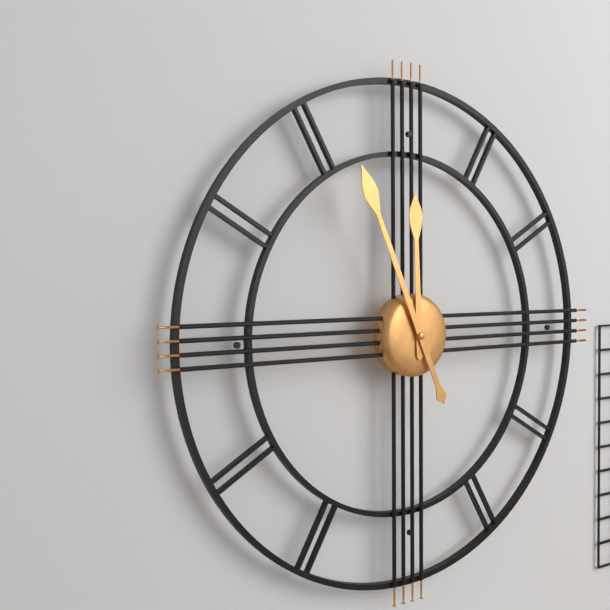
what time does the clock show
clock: 11:56
